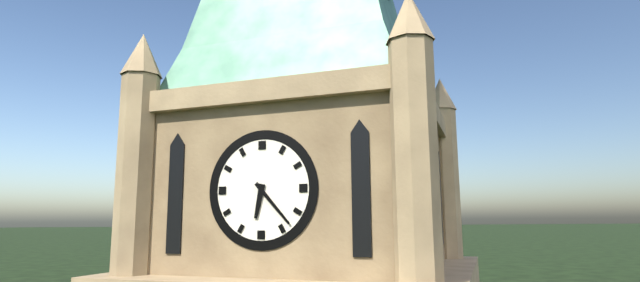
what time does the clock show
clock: 6:23
